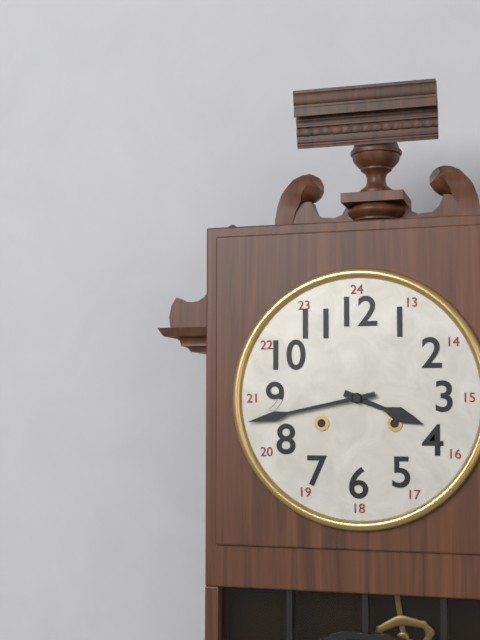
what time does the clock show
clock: 3:43
